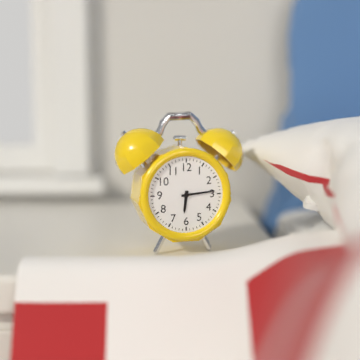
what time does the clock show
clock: 6:14
